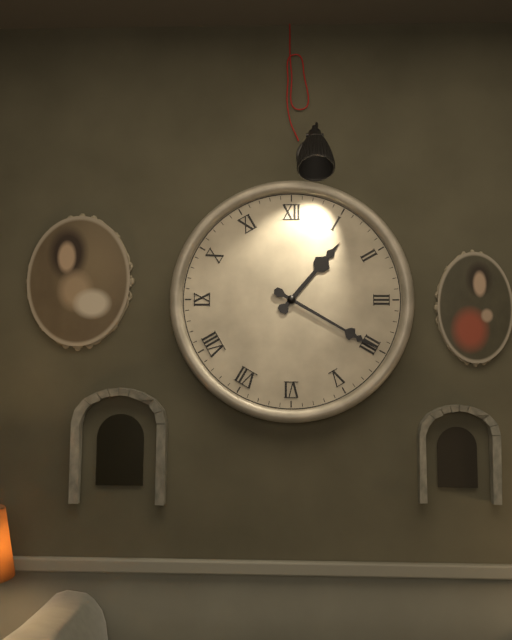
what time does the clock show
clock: 1:20
